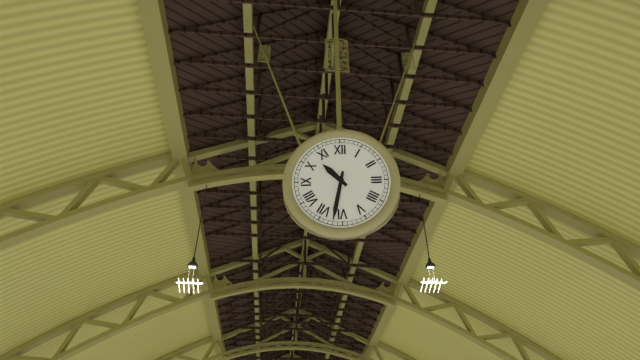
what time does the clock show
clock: 10:32
